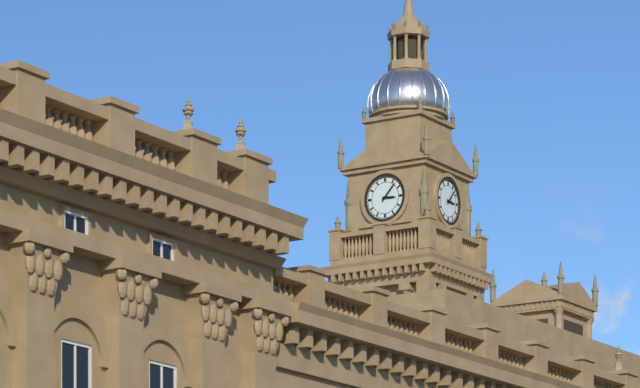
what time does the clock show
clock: 3:07
